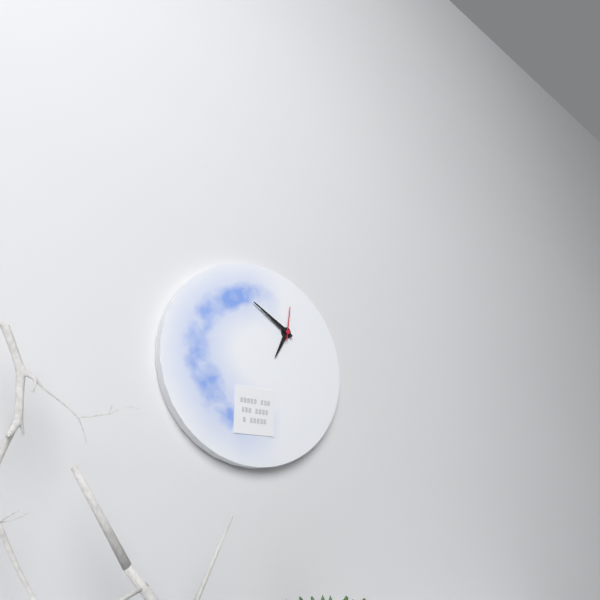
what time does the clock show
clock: 6:50
